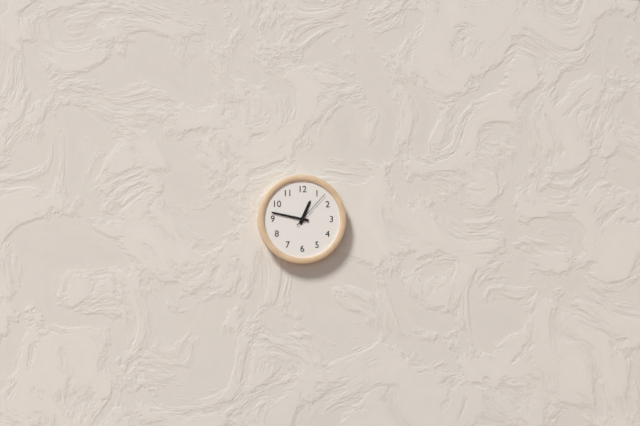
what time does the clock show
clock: 12:47
